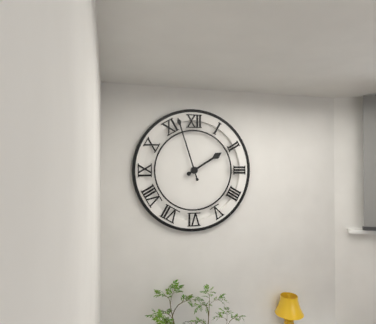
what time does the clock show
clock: 1:57
